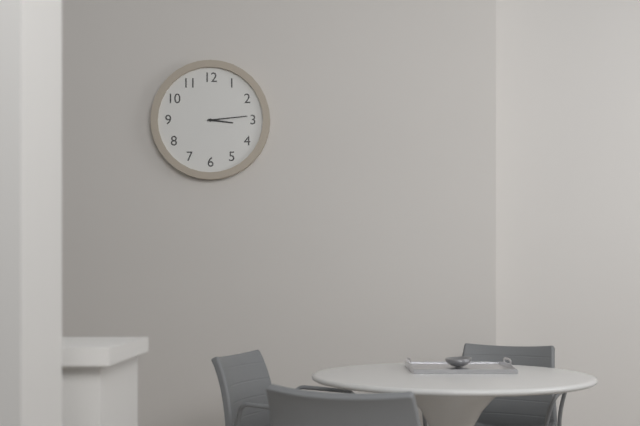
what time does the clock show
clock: 3:14
